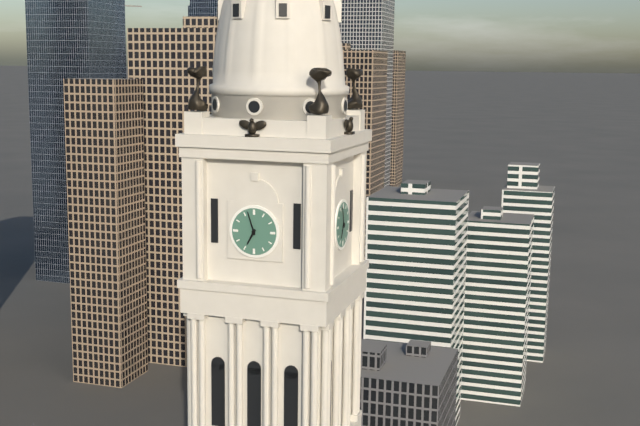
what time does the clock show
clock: 6:57
